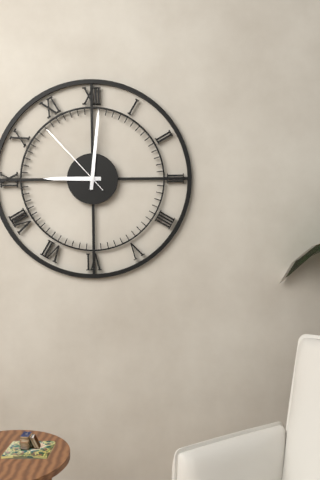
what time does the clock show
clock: 9:01:53
